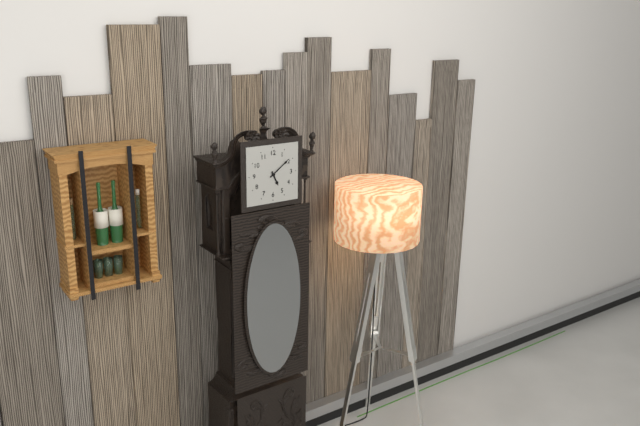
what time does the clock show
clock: 5:09
